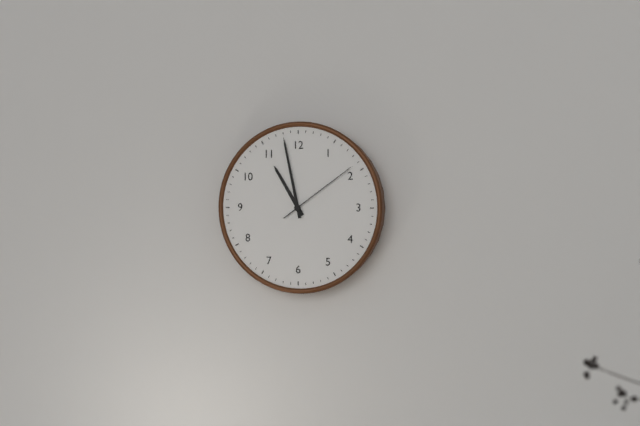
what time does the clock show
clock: 10:58:09
